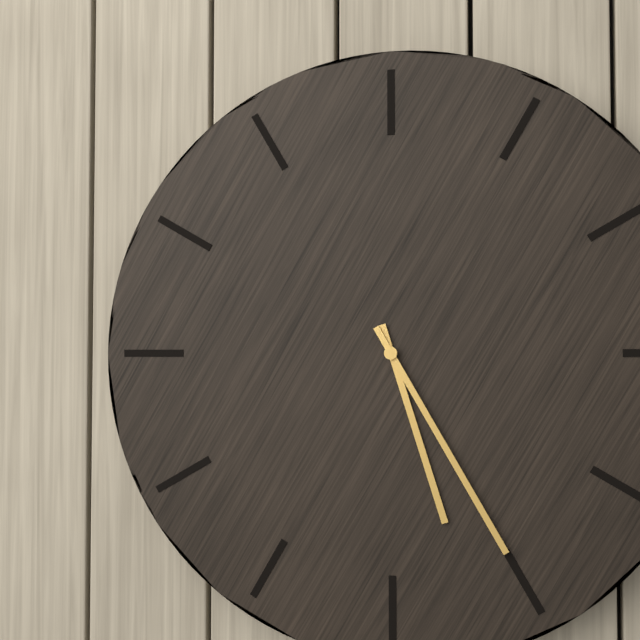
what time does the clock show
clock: 5:25
